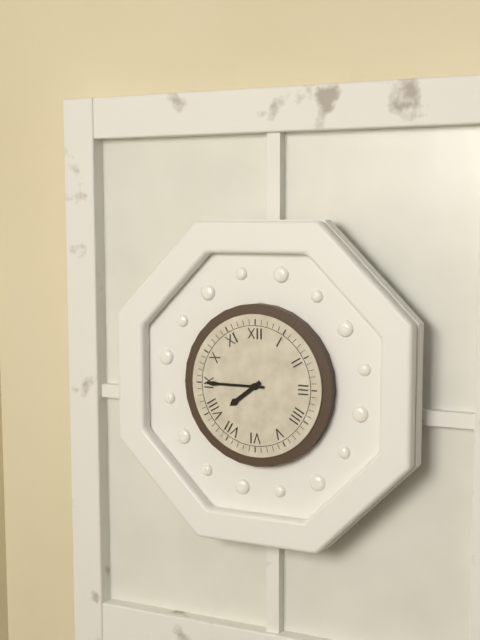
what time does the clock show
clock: 7:45
